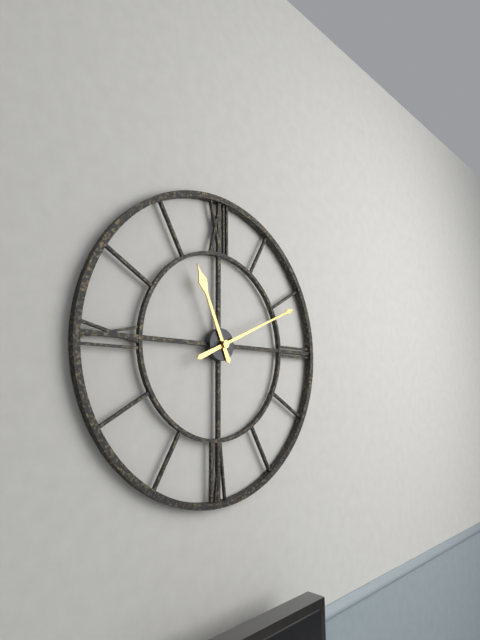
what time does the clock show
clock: 11:11
